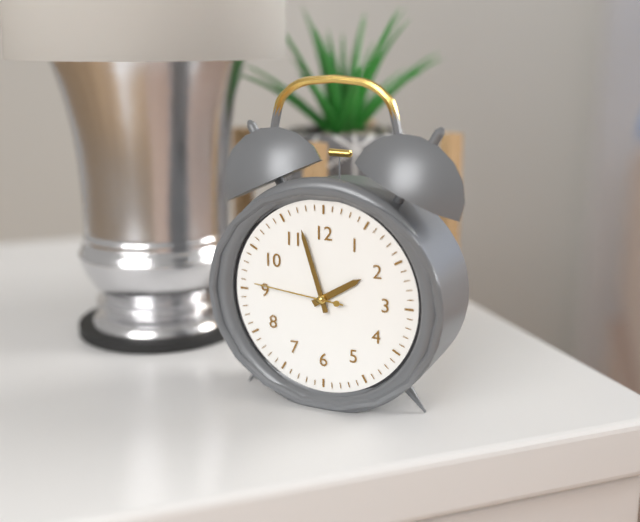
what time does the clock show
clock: 1:57:46
